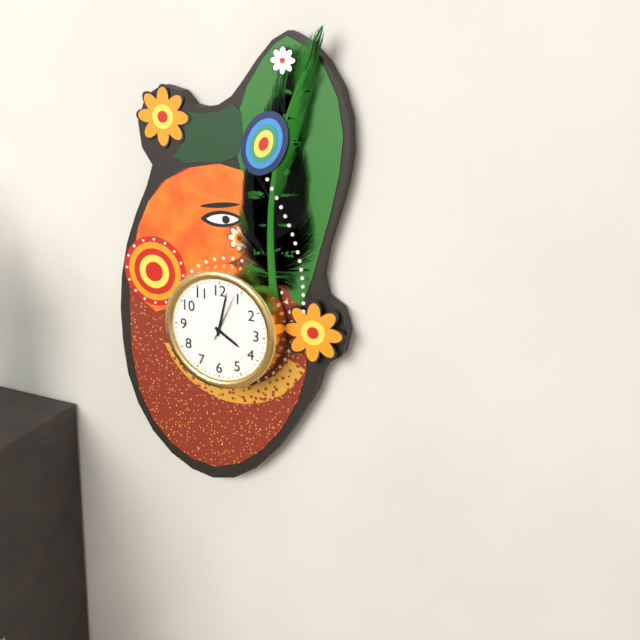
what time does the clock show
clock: 4:02
